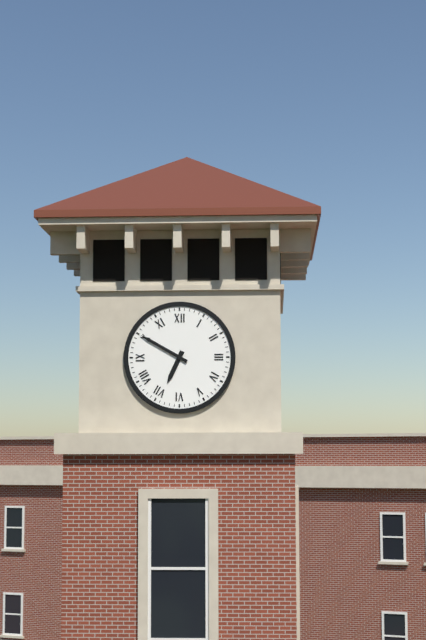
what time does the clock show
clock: 6:50
